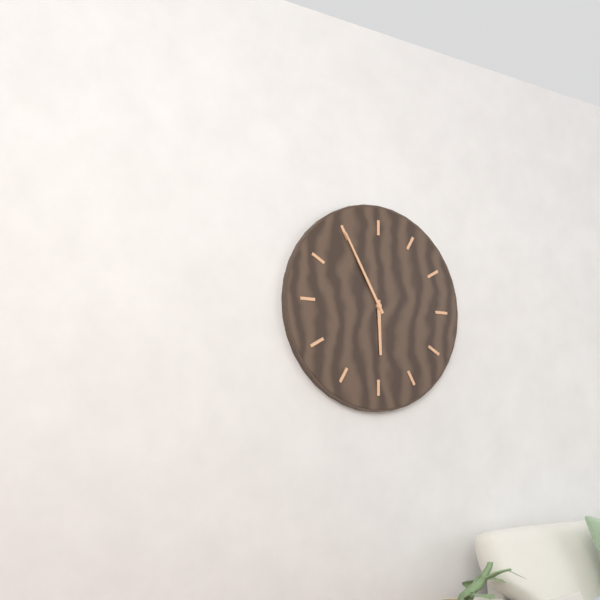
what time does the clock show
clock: 5:55
